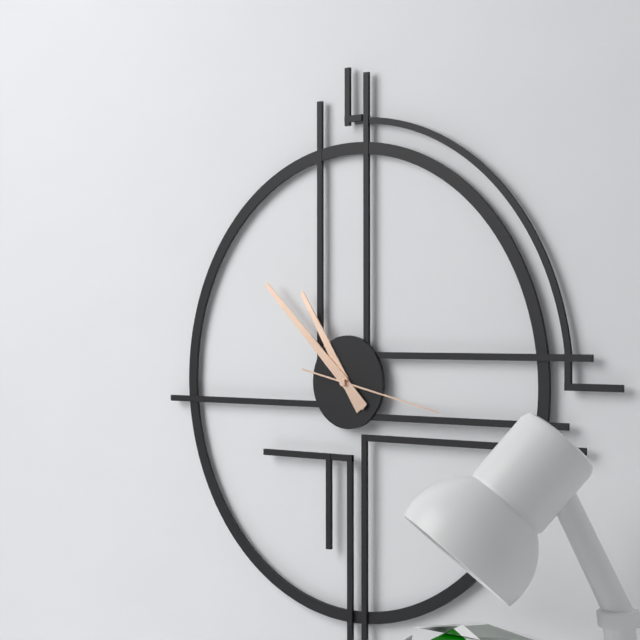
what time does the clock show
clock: 10:52:17
